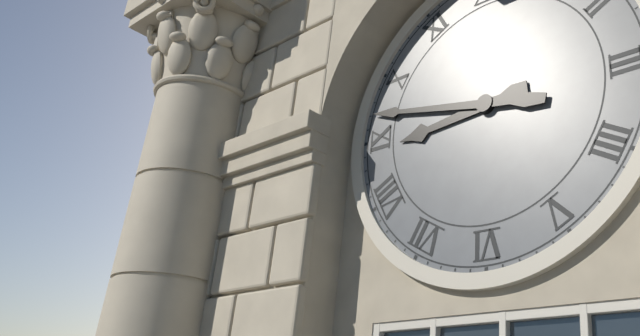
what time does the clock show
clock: 8:47
